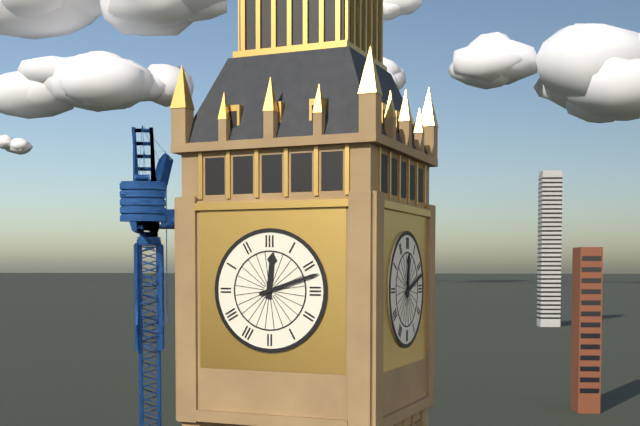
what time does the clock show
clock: 12:12
